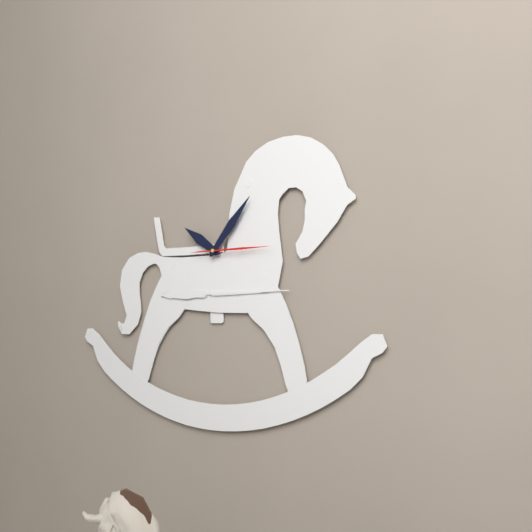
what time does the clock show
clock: 10:07:15
